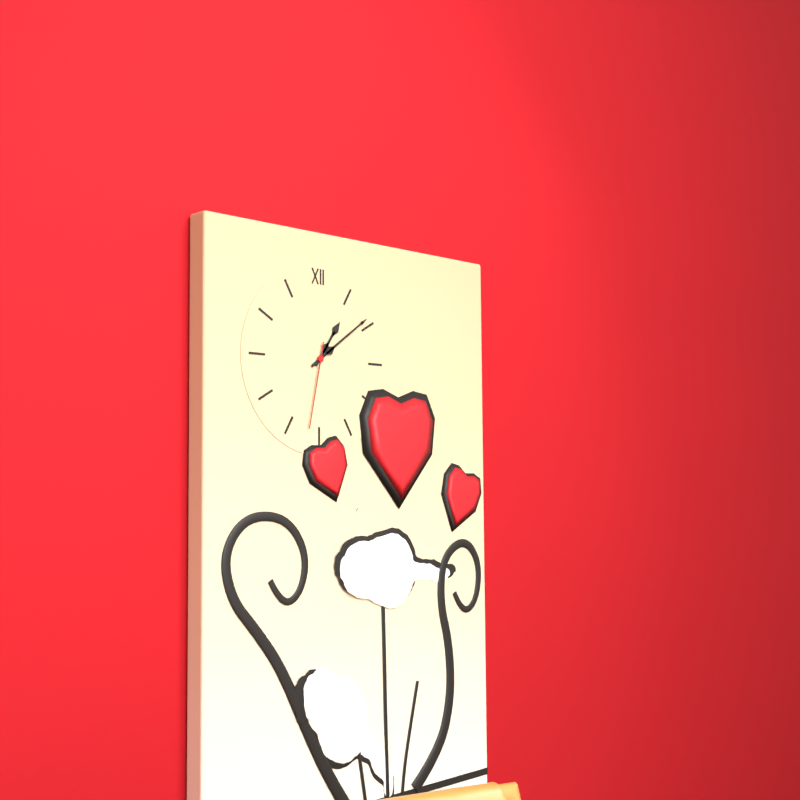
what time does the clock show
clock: 1:09:32
